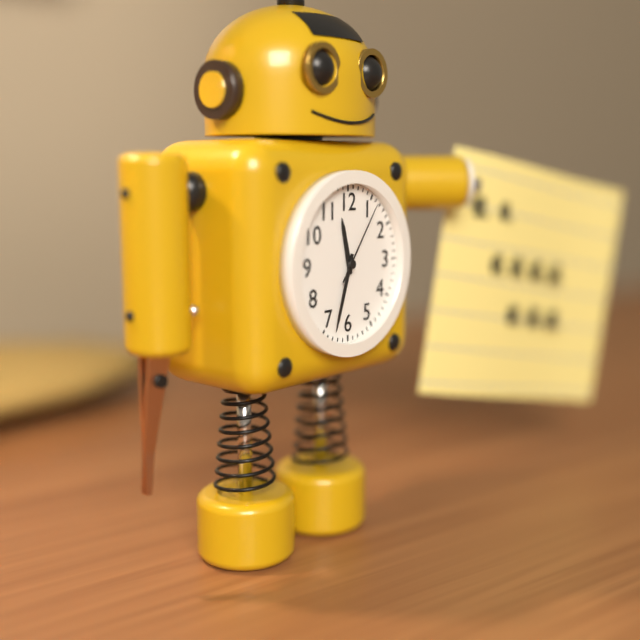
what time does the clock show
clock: 11:33:06
